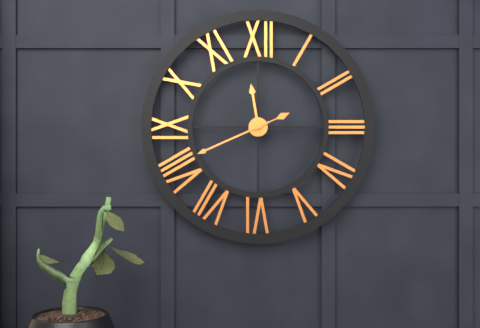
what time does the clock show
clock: 11:41
